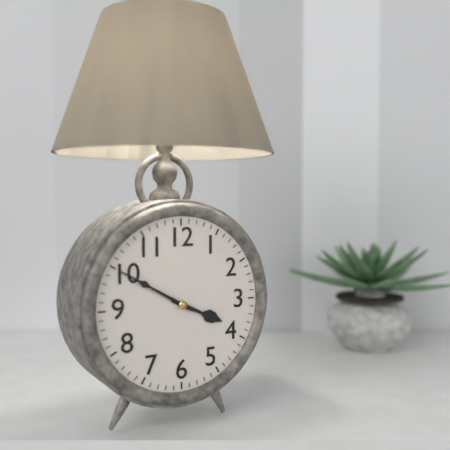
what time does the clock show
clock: 3:50
